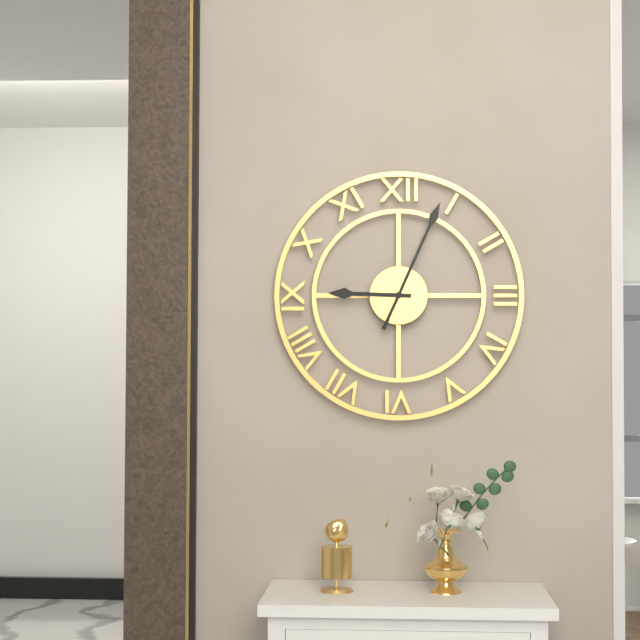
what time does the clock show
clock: 9:04
